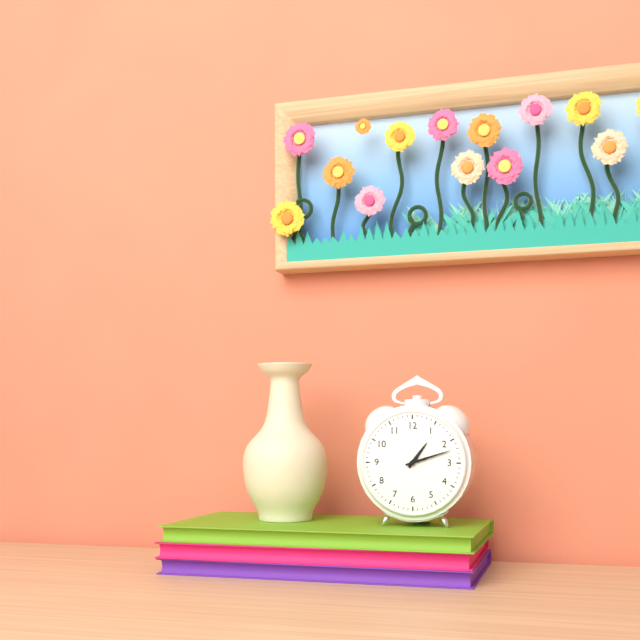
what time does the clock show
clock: 1:12
